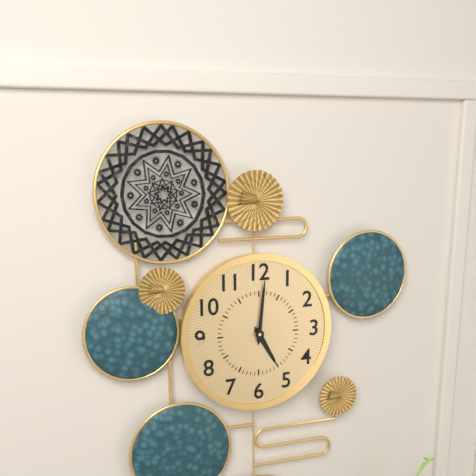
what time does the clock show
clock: 5:01
